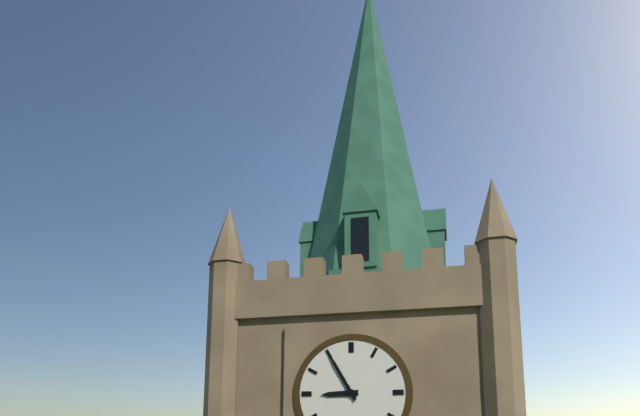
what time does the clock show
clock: 8:55
